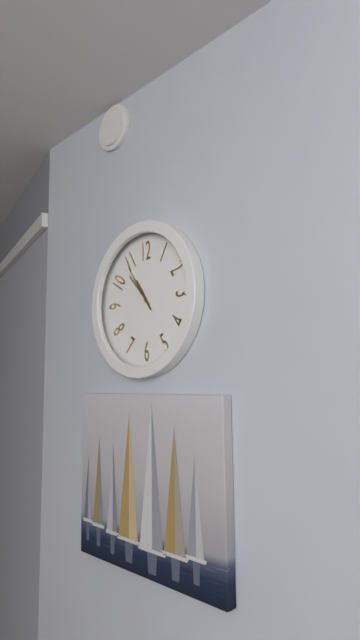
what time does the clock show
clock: 10:53
